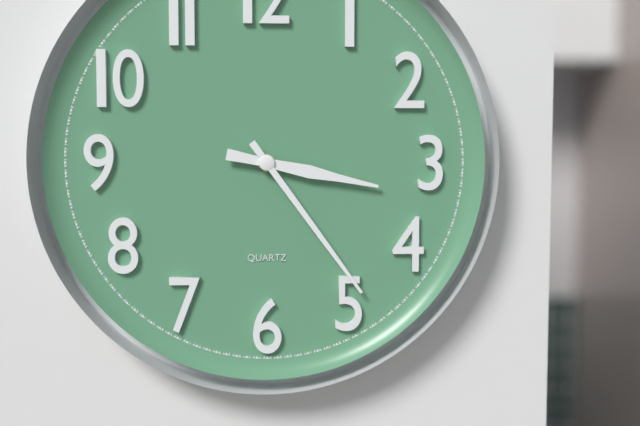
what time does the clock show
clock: 3:24
